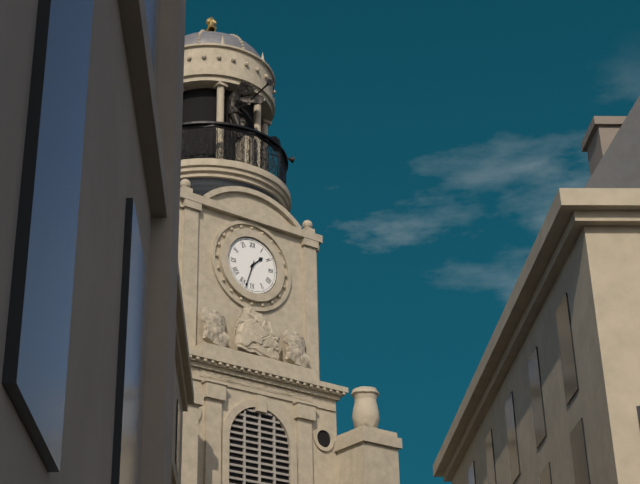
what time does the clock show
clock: 1:33
